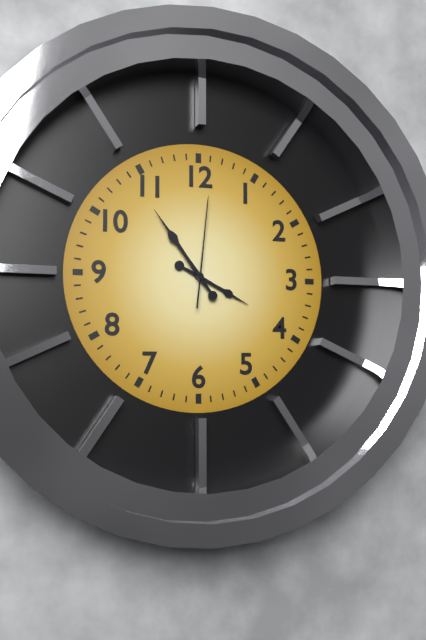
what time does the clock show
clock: 3:54:01
